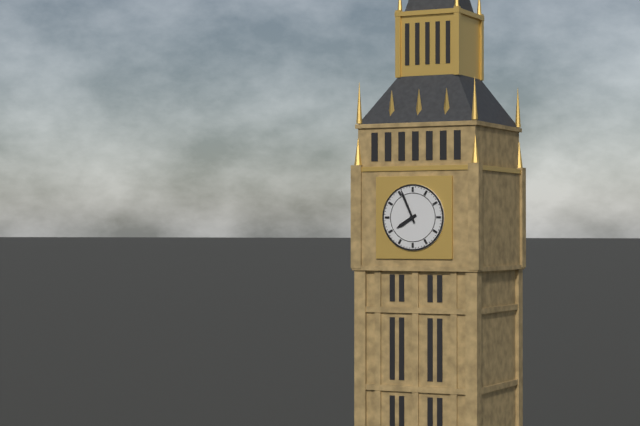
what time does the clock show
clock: 7:56
